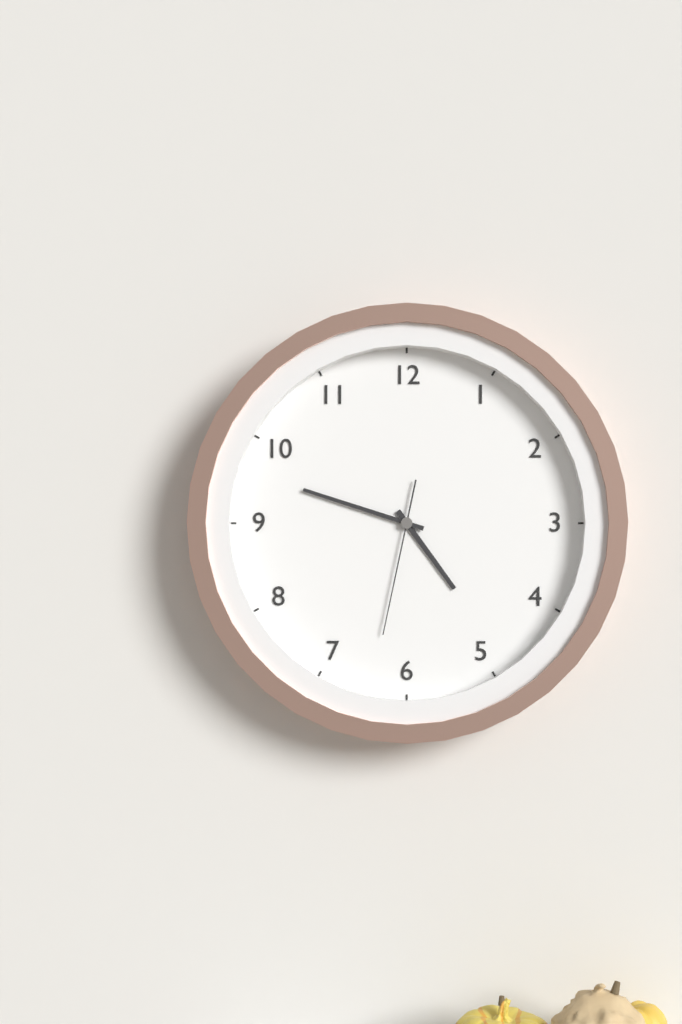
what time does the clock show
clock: 4:48:32
